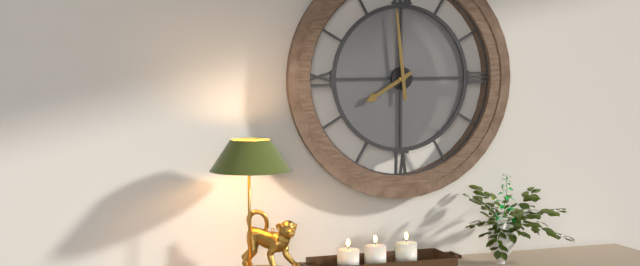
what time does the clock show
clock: 7:59
